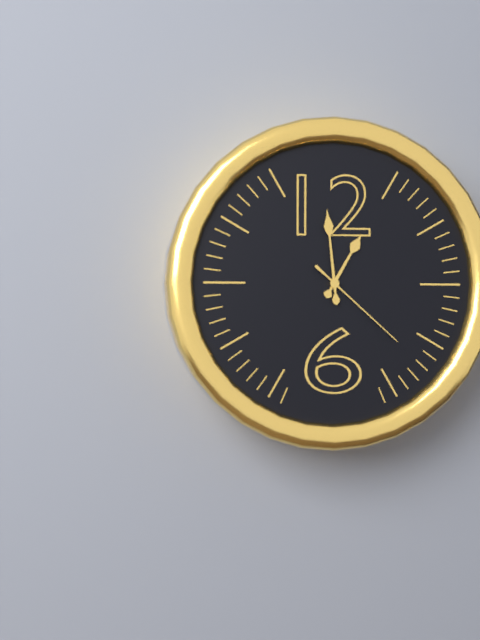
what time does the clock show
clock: 12:59:22
